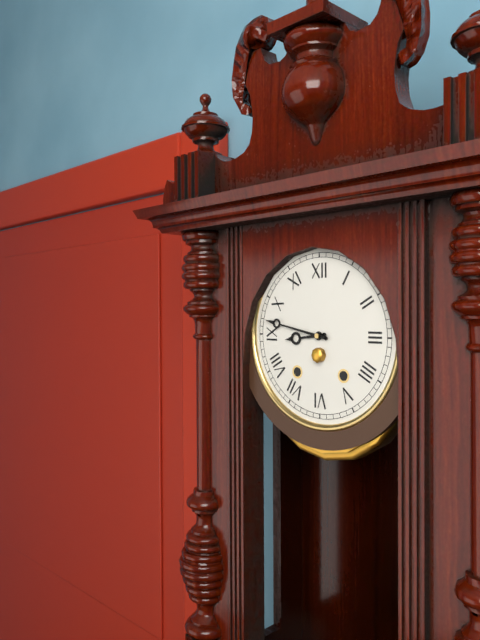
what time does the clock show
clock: 8:47
